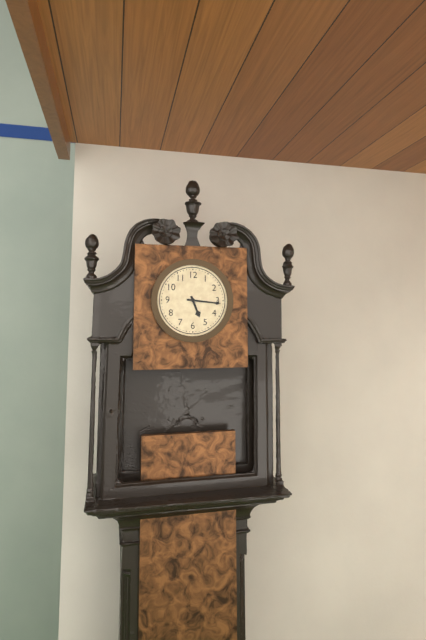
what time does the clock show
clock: 5:16
